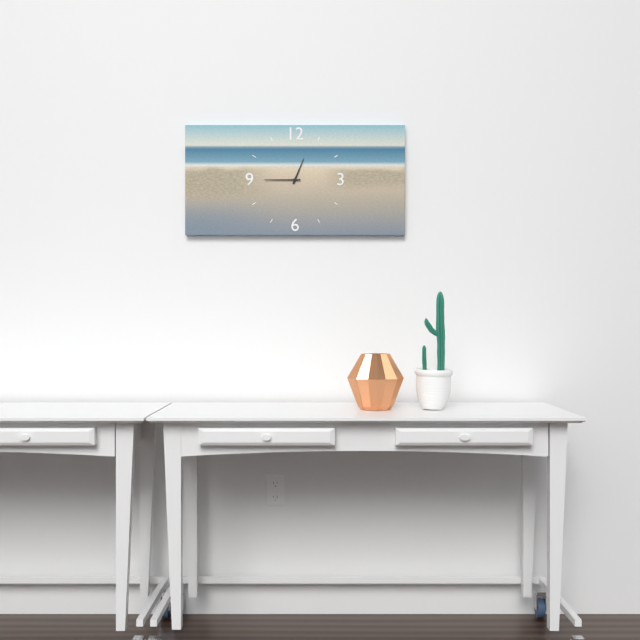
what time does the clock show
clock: 12:45
